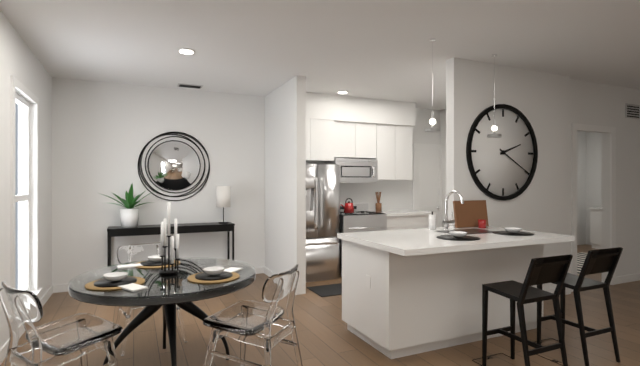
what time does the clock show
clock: 2:20
